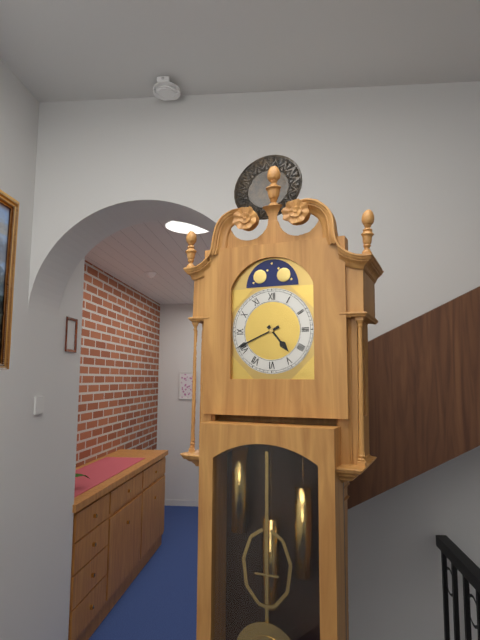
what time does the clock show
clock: 4:41
